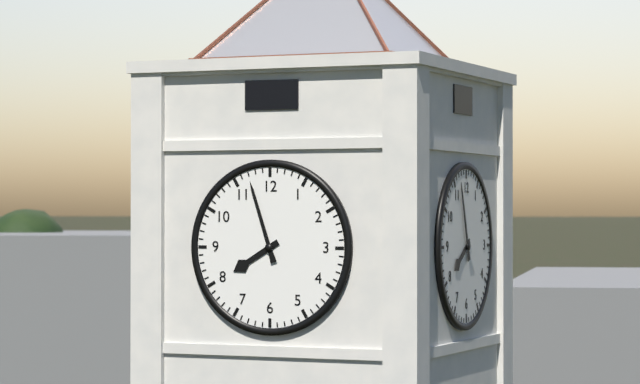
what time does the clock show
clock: 7:57
